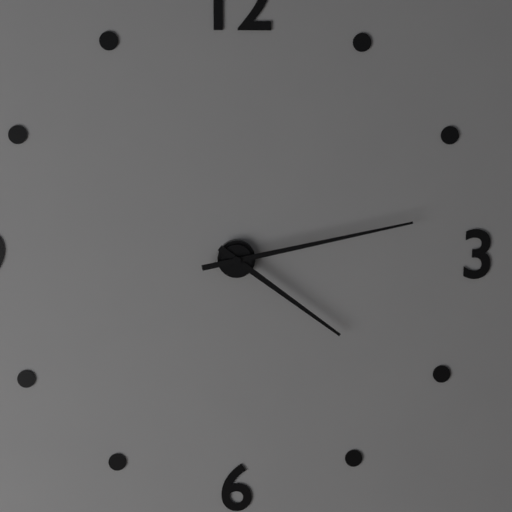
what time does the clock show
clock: 4:13
